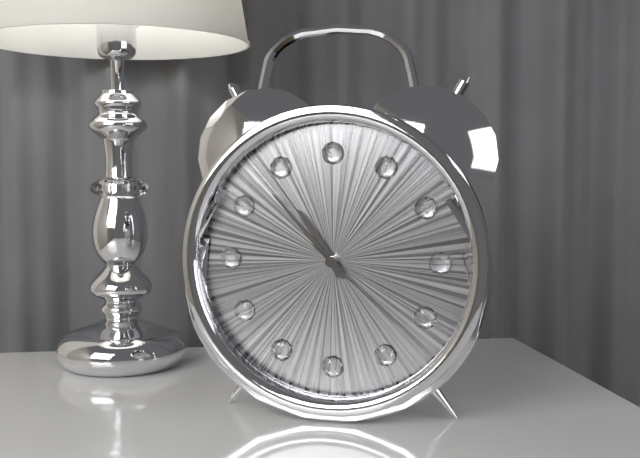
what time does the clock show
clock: 10:53:22
